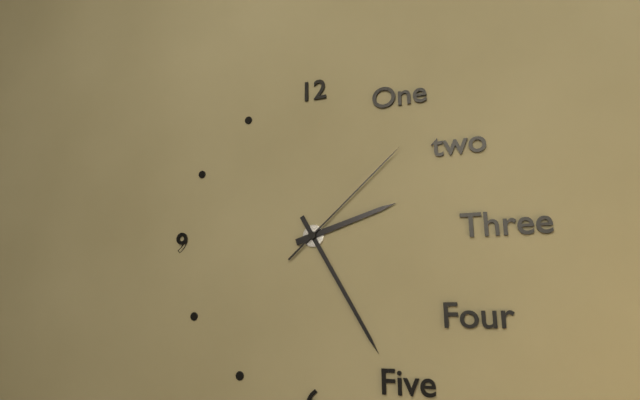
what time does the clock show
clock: 2:25:08
